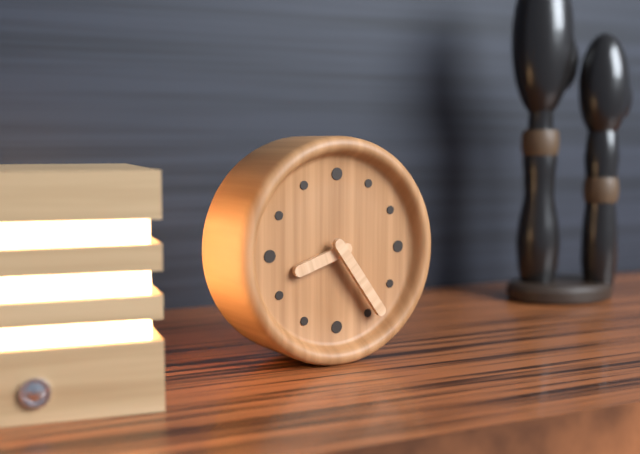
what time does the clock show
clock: 8:24
